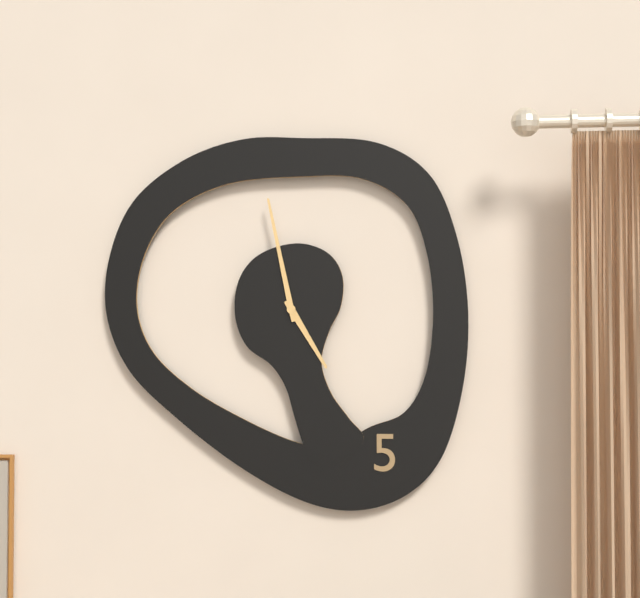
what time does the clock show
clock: 4:58
